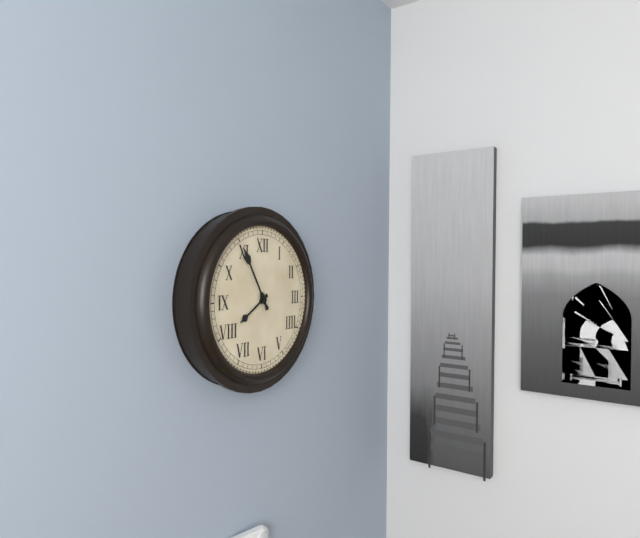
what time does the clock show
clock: 7:55
